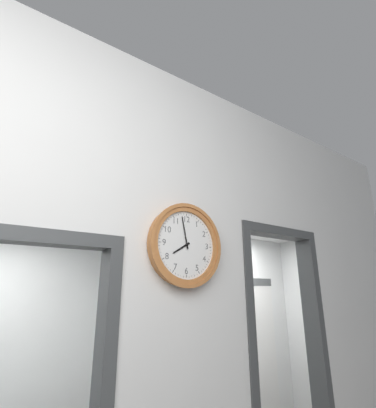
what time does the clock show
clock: 7:58
